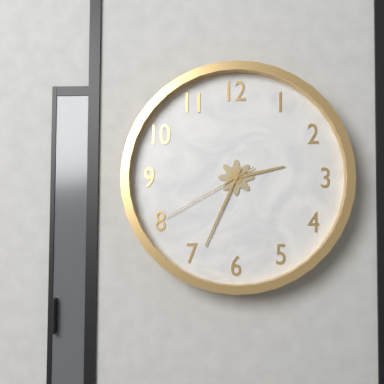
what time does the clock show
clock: 2:34:40
